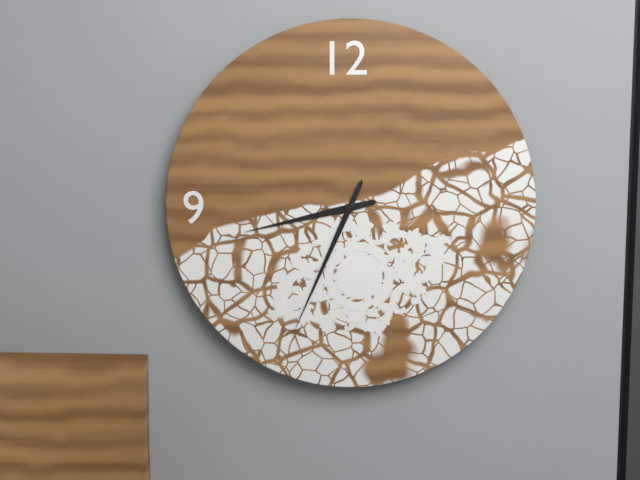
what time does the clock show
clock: 8:34
